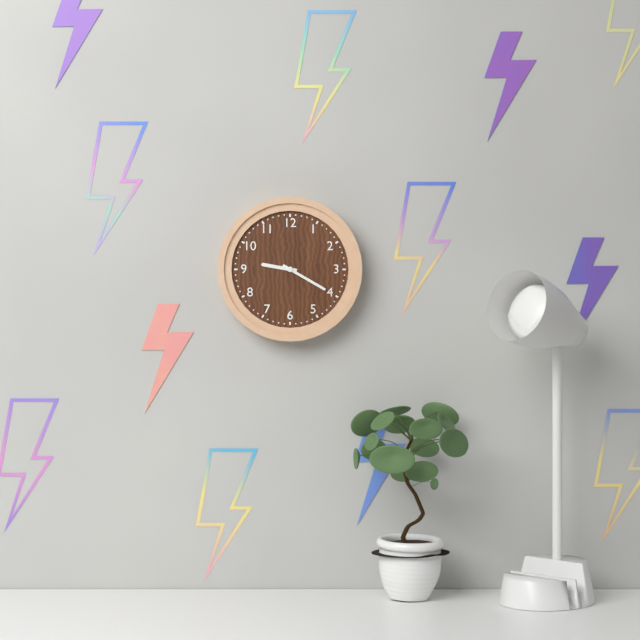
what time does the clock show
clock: 9:20
